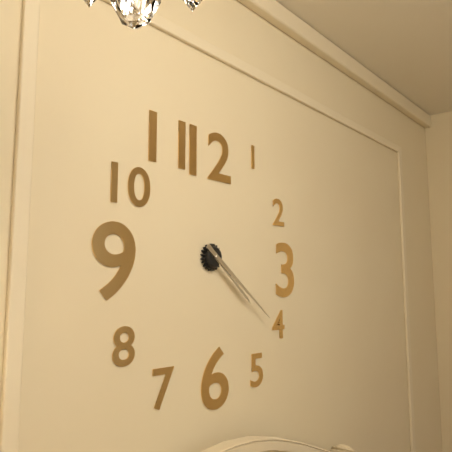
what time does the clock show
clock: 4:21
